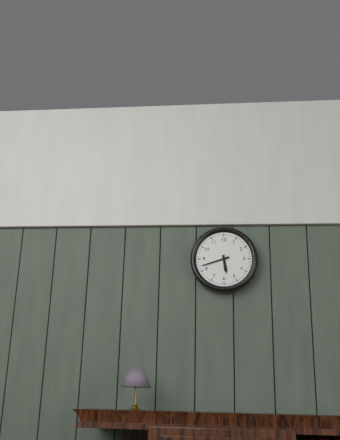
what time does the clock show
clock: 5:42
